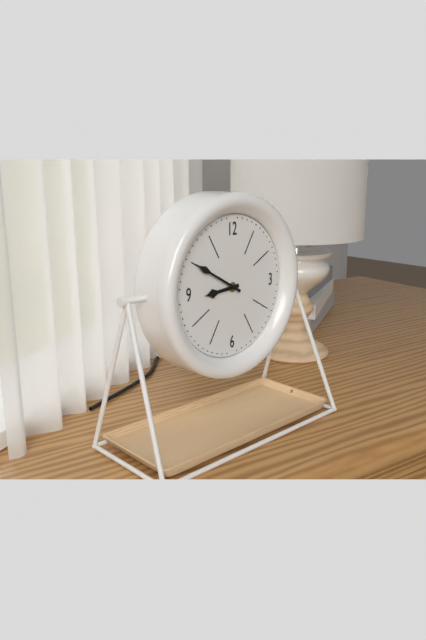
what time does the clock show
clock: 8:50
